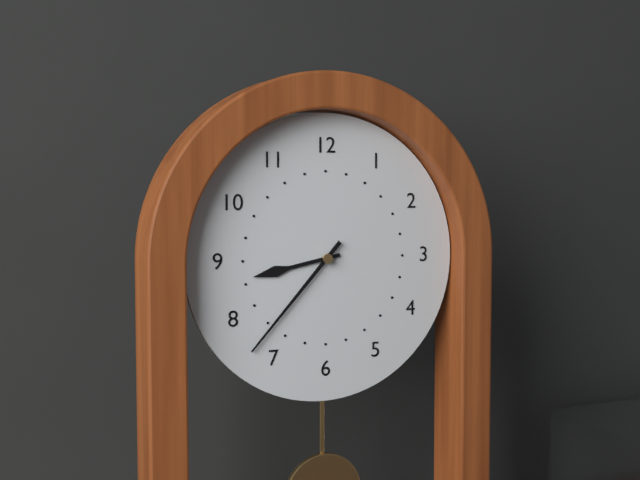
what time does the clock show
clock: 8:37
